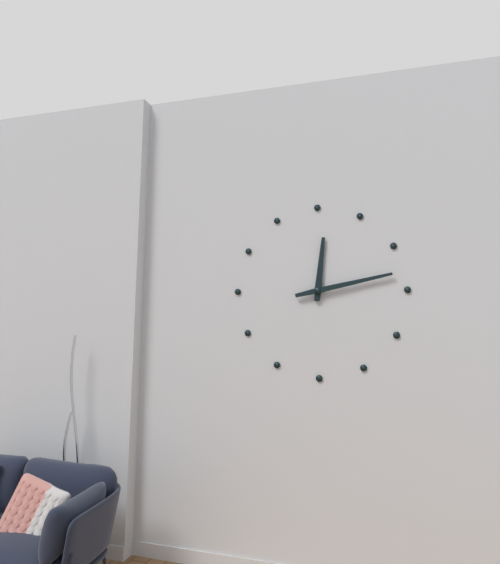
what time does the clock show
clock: 12:13
